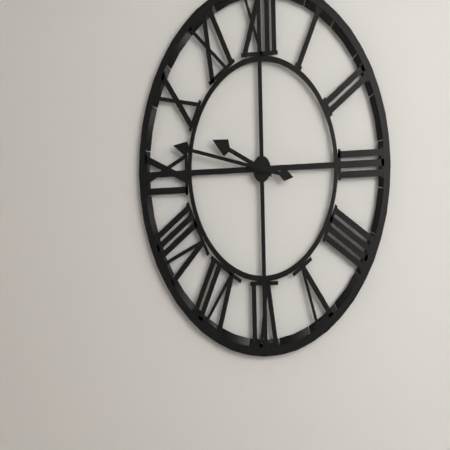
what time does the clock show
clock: 9:47
